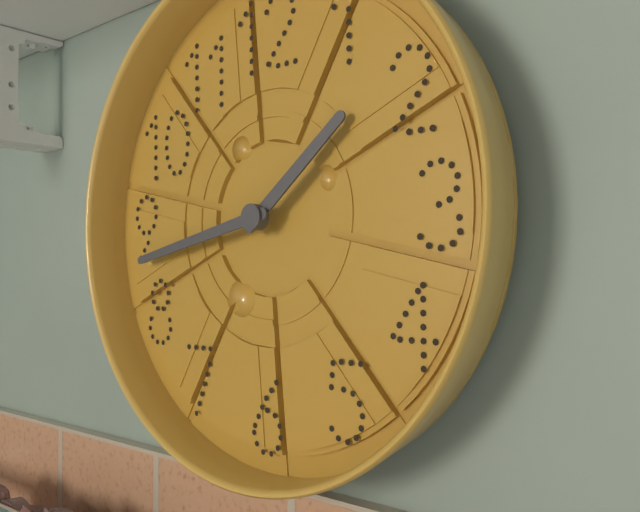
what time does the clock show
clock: 1:43
